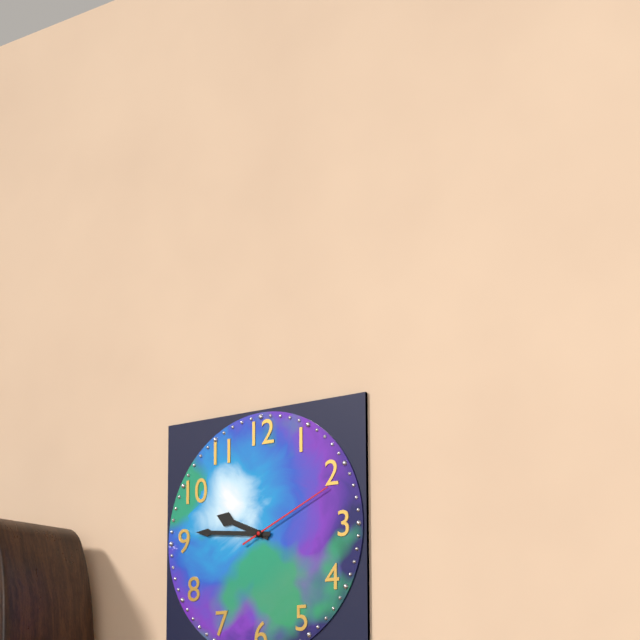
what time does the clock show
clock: 9:46:11
